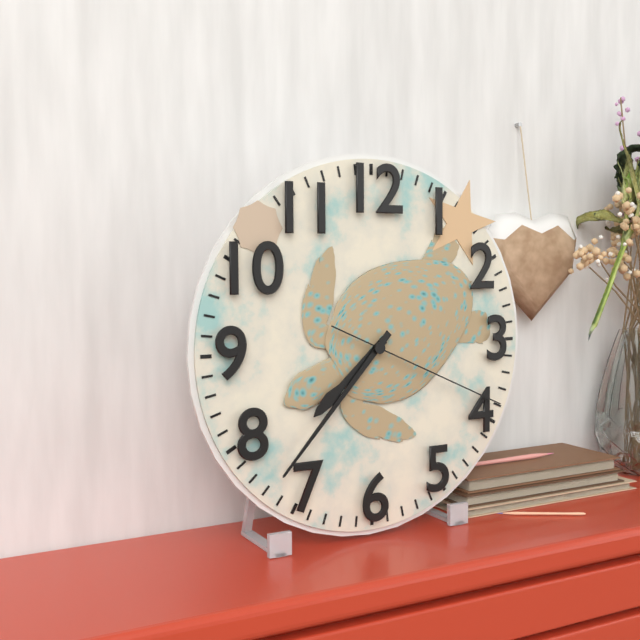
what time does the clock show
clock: 7:37:19
